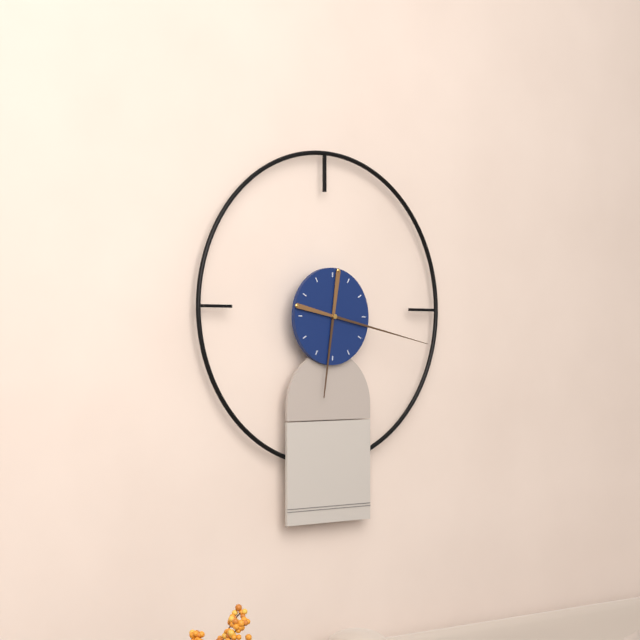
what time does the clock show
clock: 6:17
